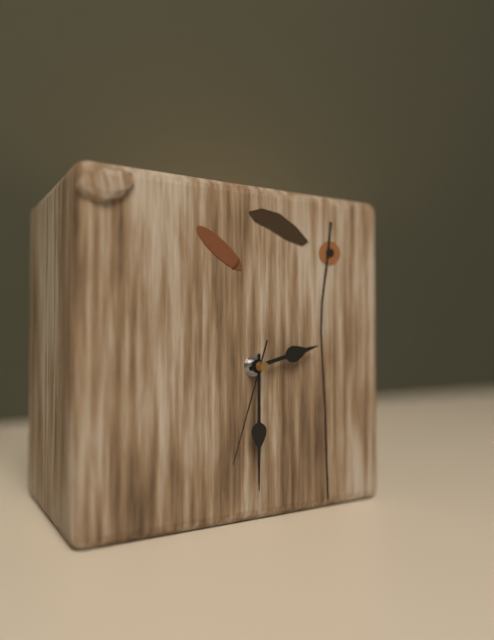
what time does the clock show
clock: 2:30:33
